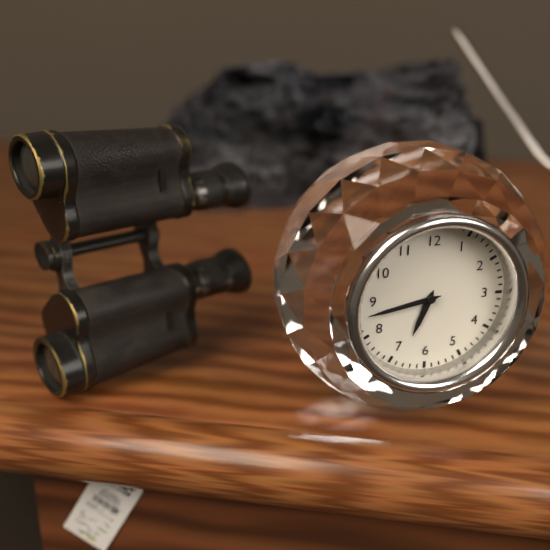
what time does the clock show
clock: 6:43
